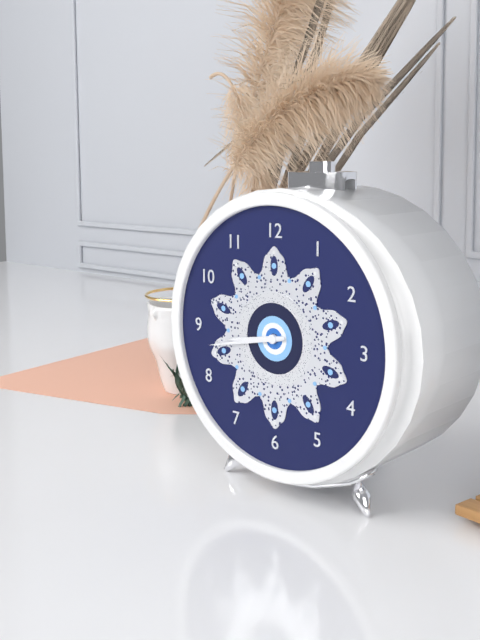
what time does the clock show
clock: 8:43
